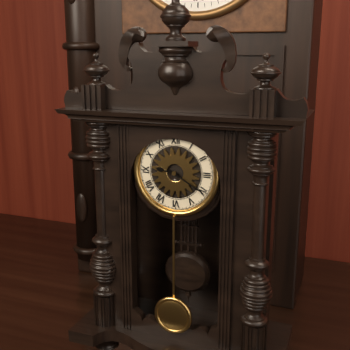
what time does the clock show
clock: 9:20
